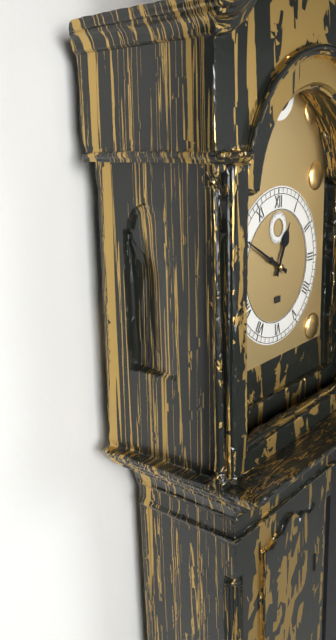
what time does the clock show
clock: 12:50
